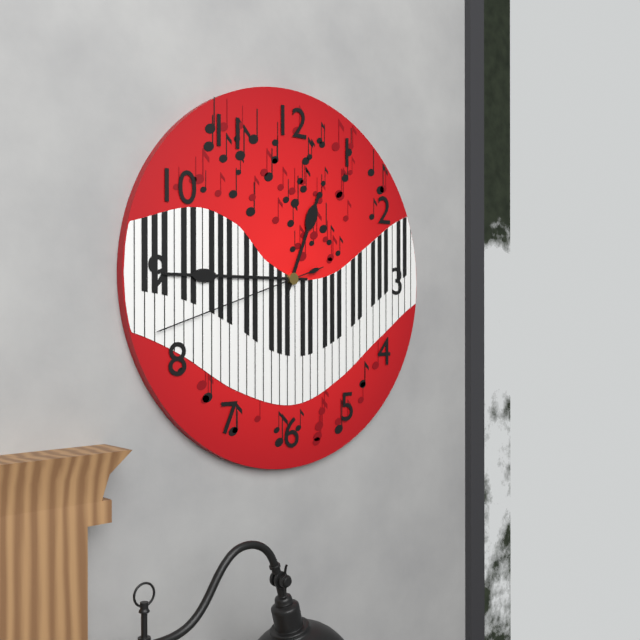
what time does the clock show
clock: 12:45:42
